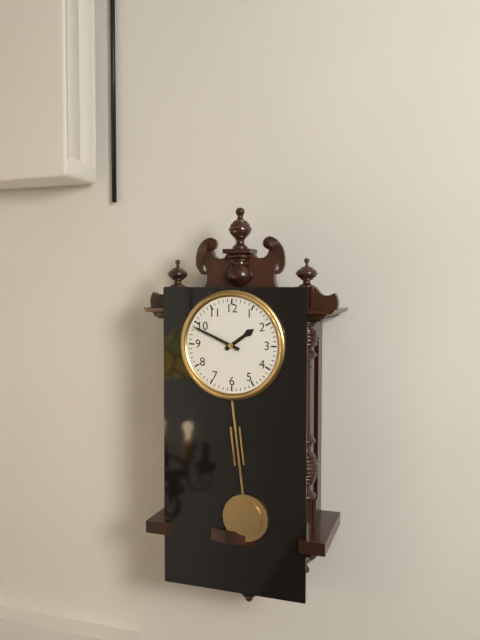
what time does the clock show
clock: 1:49
